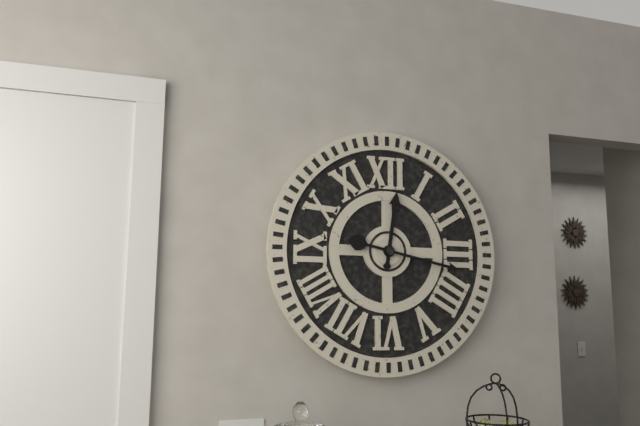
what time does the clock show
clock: 12:17
